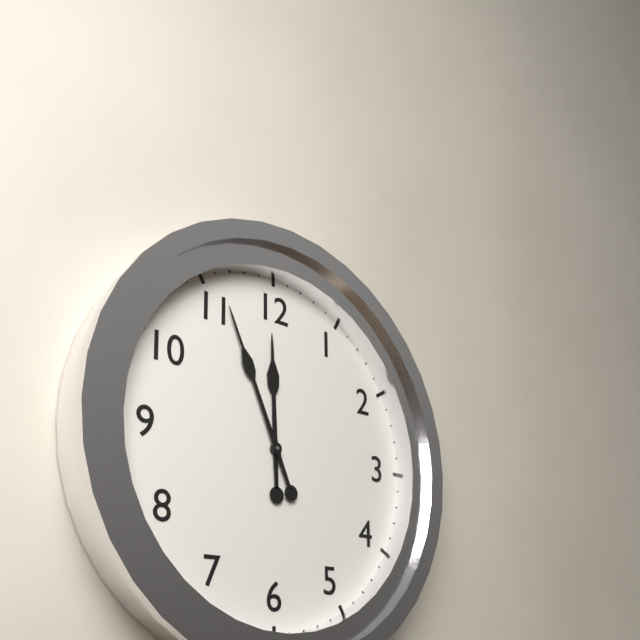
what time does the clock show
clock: 11:56
